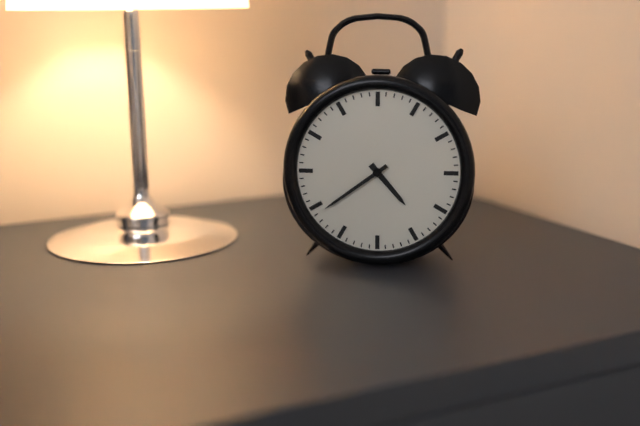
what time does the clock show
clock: 4:39
